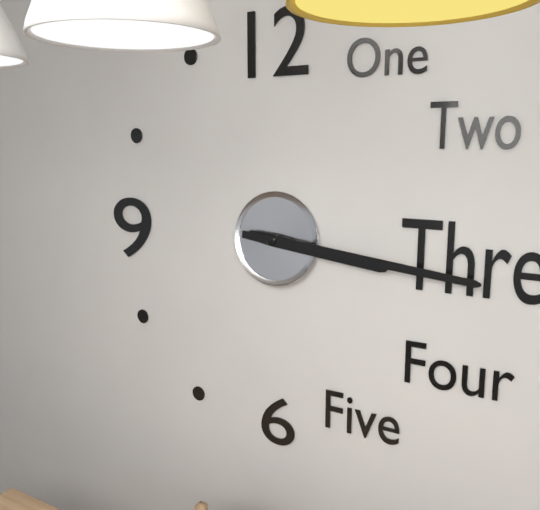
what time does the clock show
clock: 3:16
